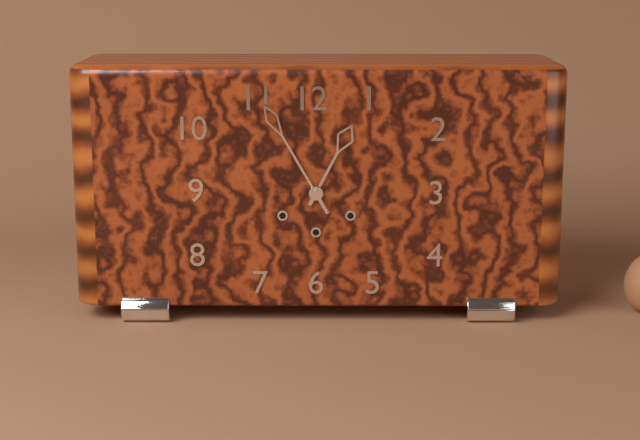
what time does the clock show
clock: 12:55
